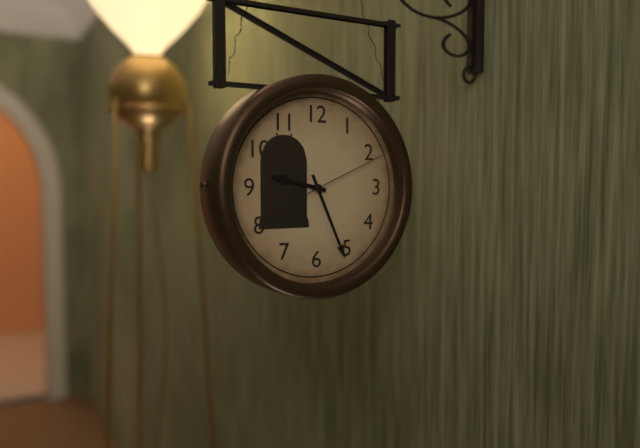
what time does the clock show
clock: 9:26:11
